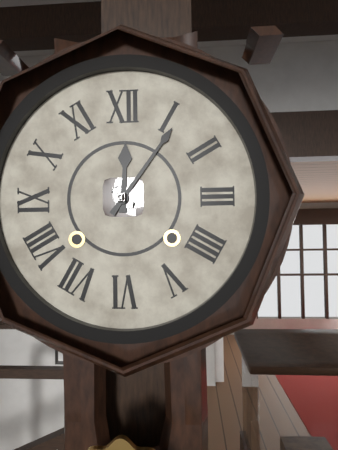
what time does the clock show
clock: 12:06
